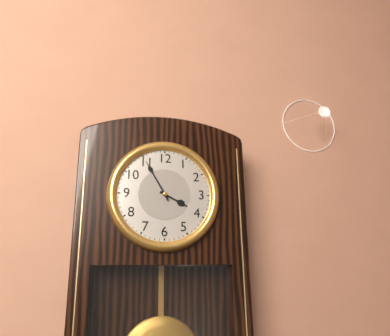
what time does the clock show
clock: 3:55
